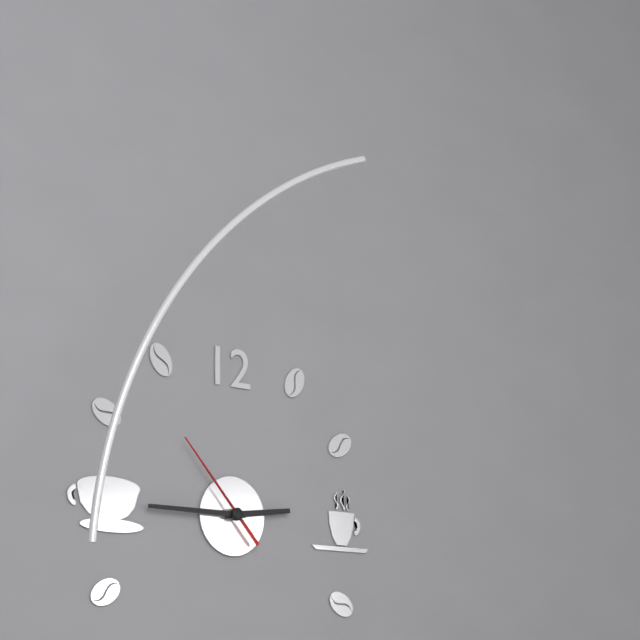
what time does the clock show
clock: 2:45:53
